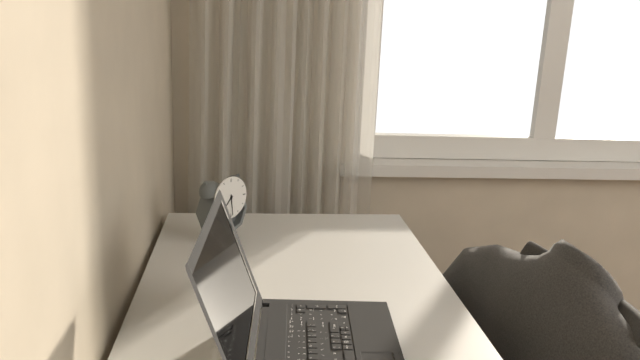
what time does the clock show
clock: 7:29
